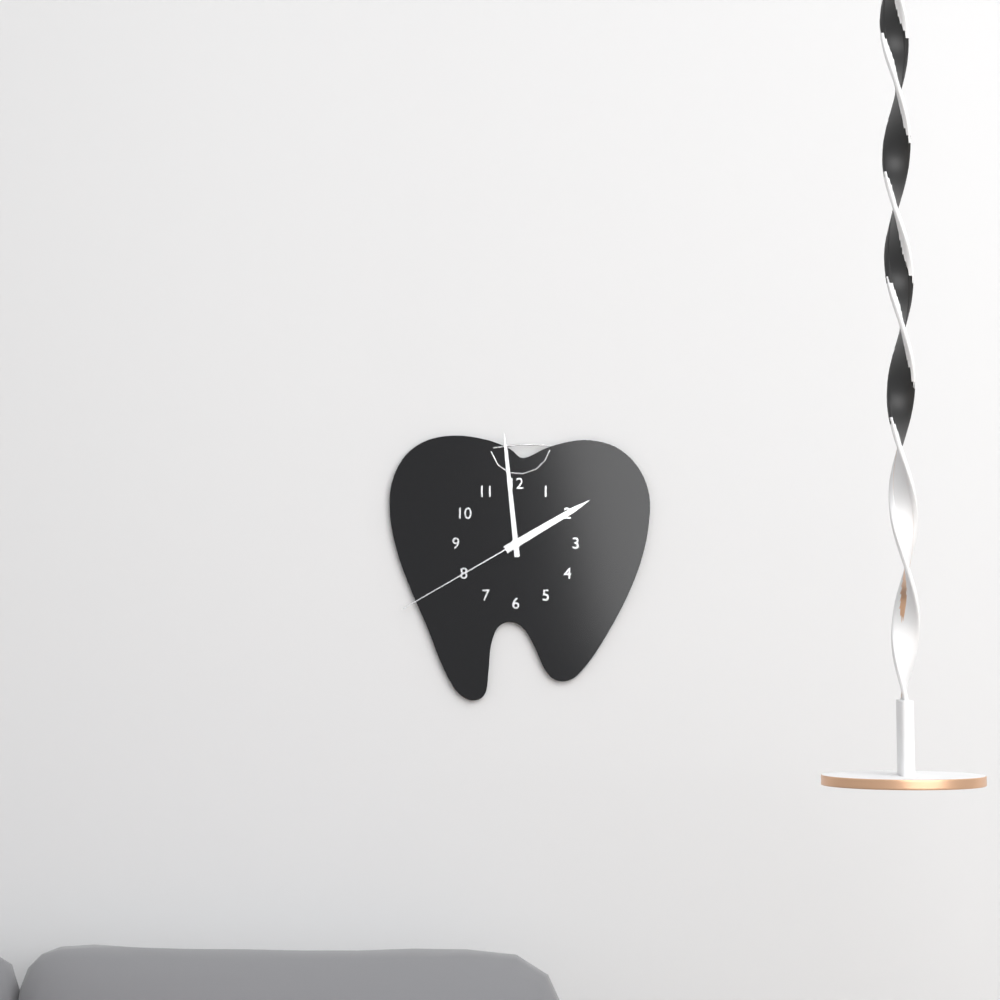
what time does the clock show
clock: 1:59:40
